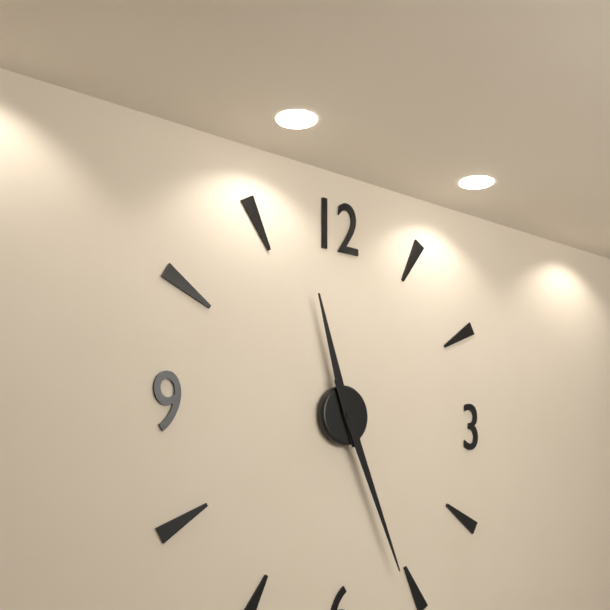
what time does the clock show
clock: 11:26
